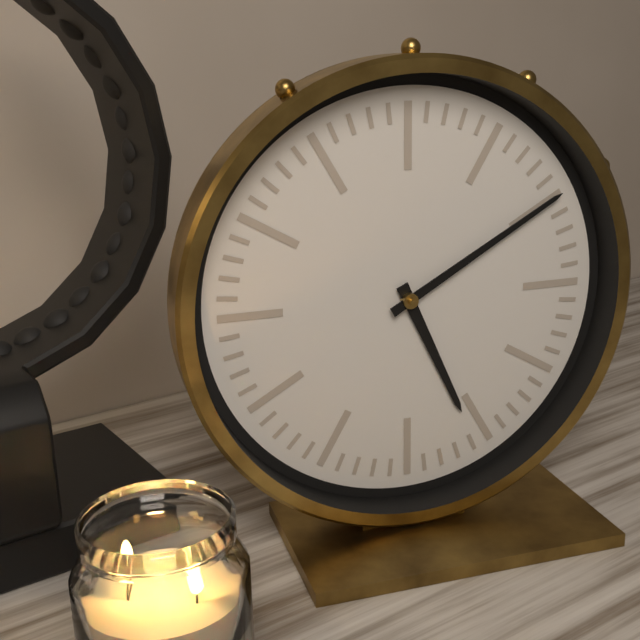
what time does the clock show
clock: 5:10
